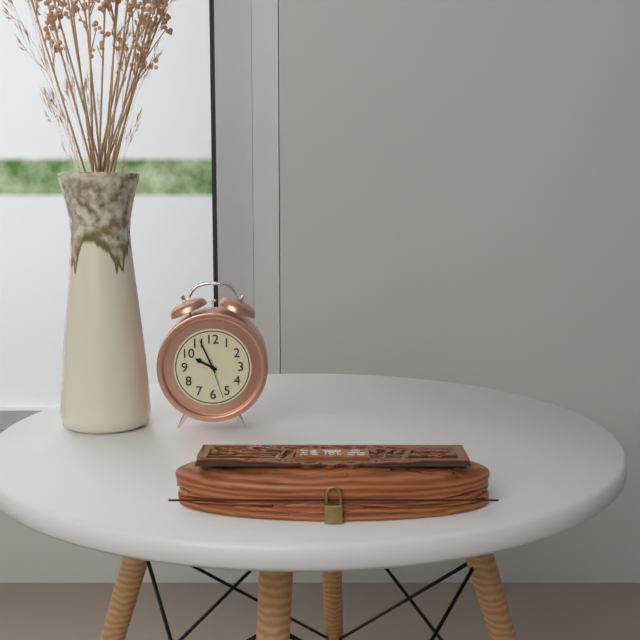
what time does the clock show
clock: 9:56
